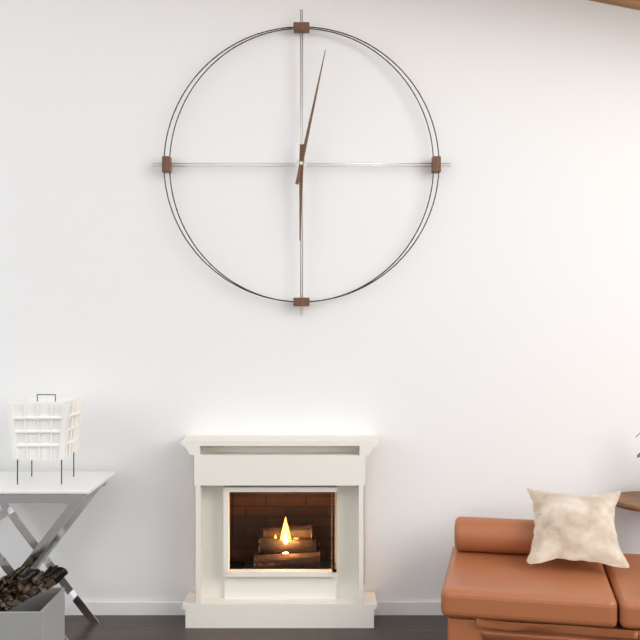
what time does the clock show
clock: 6:02
